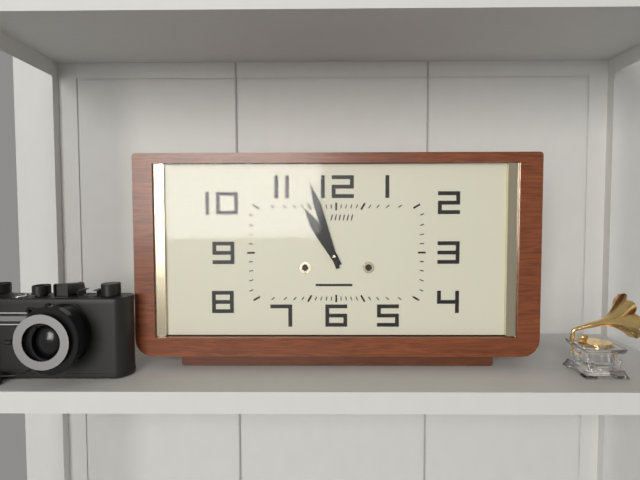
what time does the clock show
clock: 10:57
